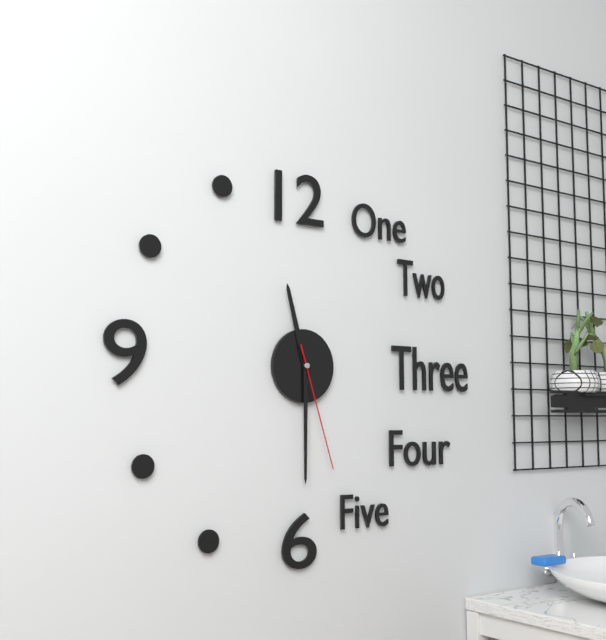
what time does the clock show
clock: 11:30:27
